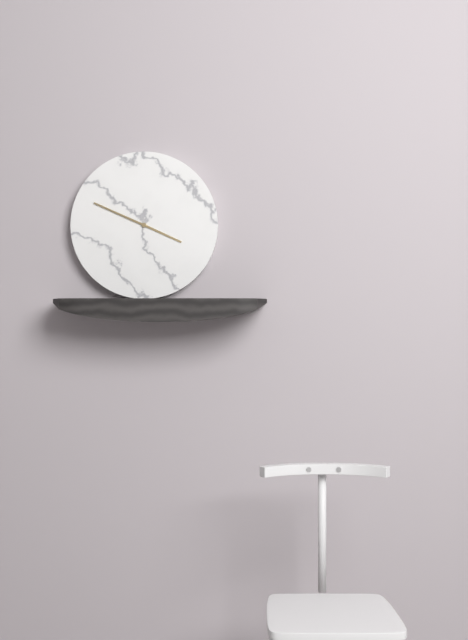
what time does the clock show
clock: 3:49
